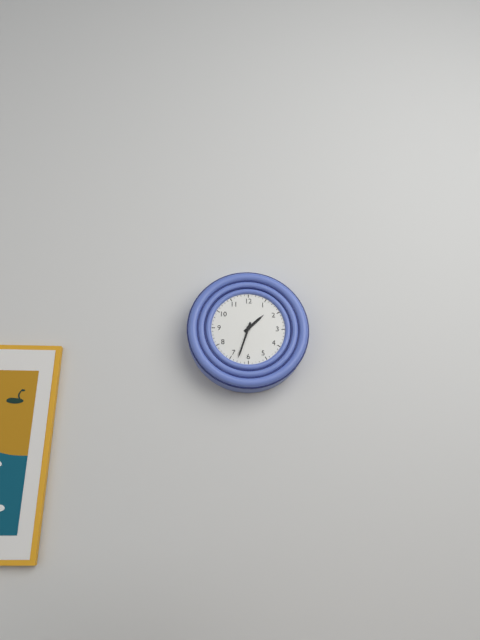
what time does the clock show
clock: 1:33
